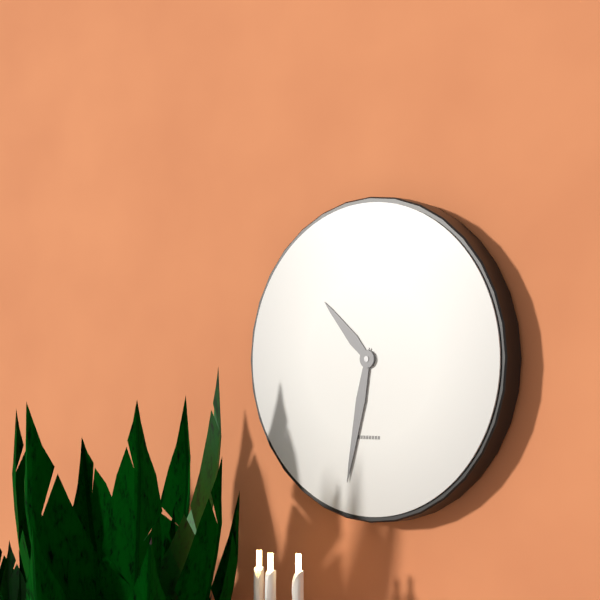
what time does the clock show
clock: 10:32
